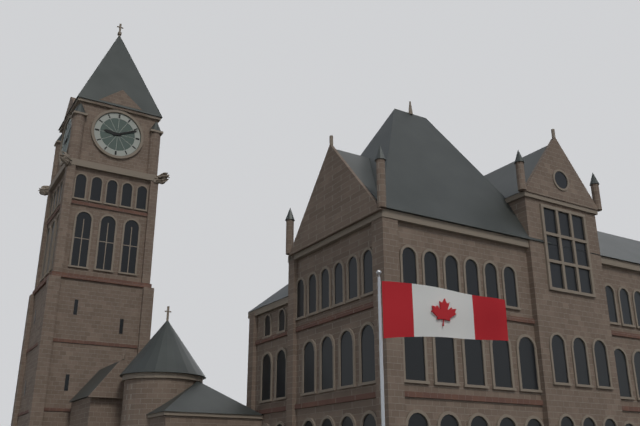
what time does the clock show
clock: 9:11
